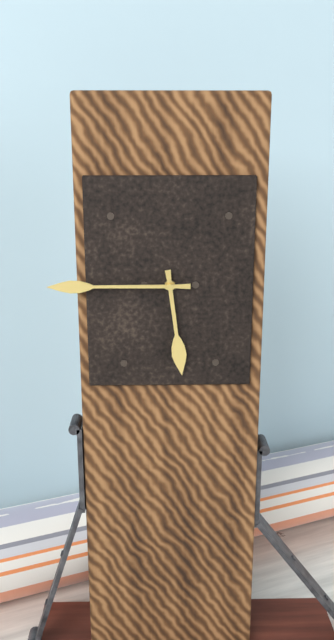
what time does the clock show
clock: 5:45
